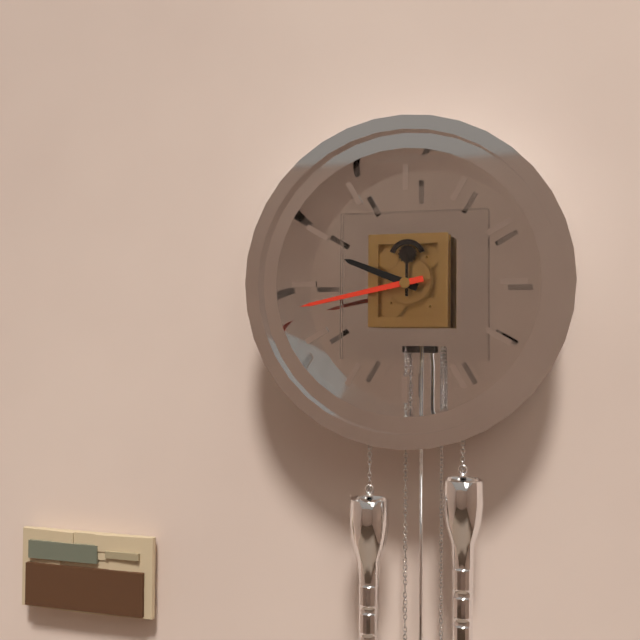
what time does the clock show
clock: 9:43
